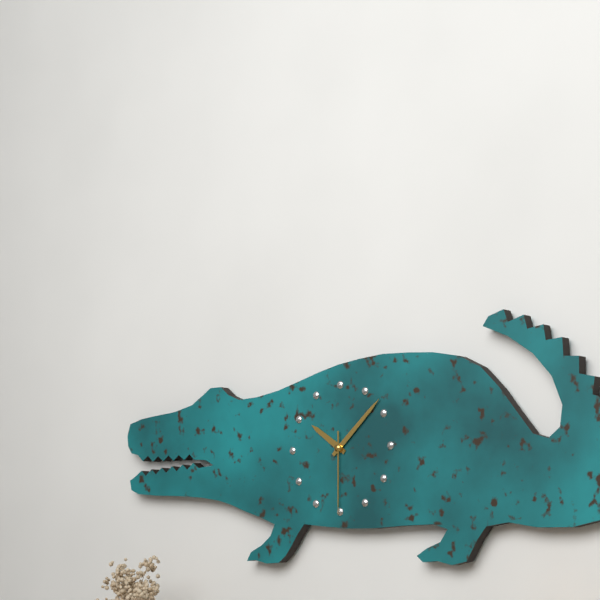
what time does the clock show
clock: 10:08:30
